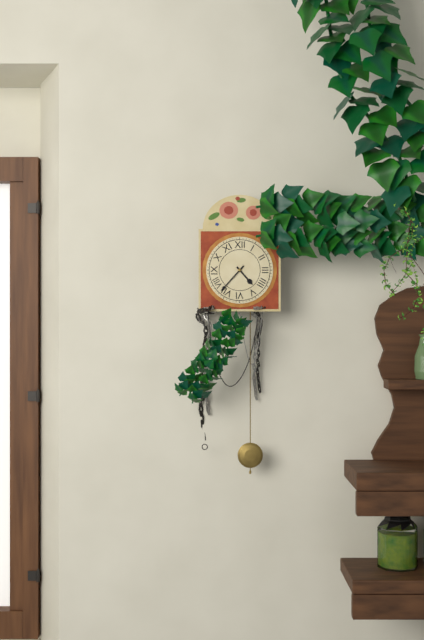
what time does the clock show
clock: 4:37
